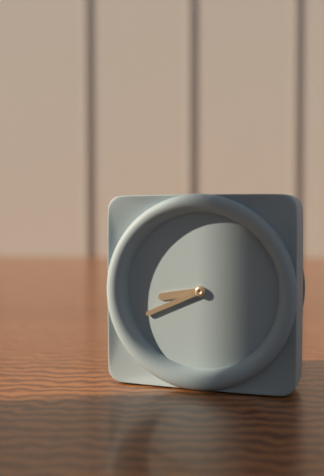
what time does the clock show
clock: 8:41
